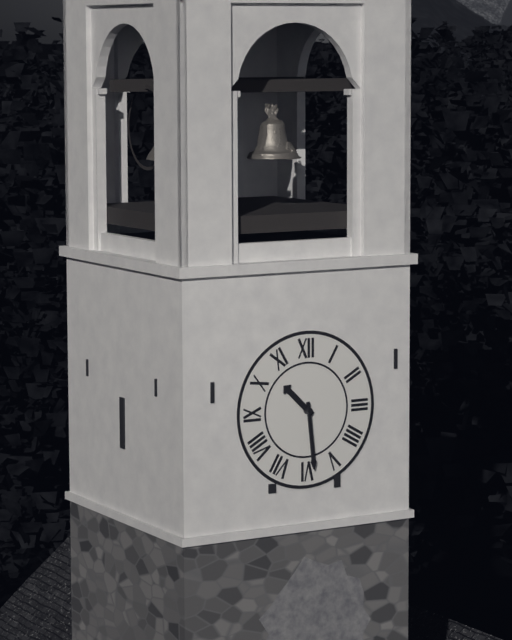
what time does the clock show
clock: 10:29
